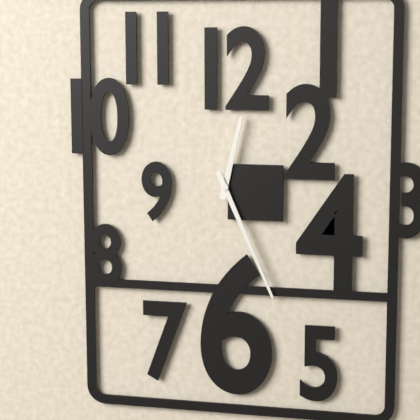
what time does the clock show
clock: 12:26
